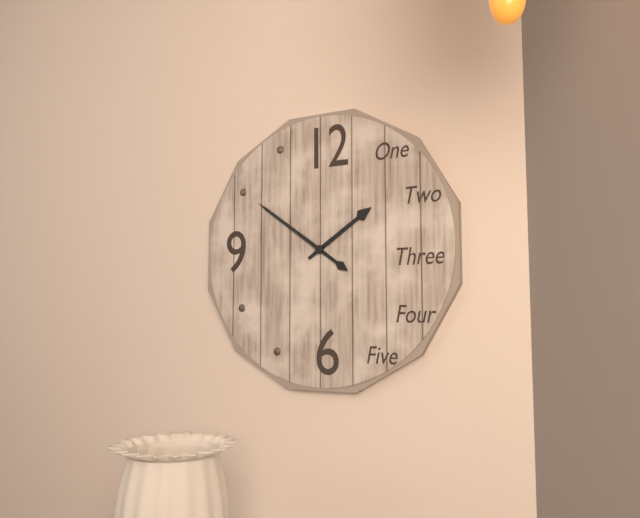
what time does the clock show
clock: 1:51
